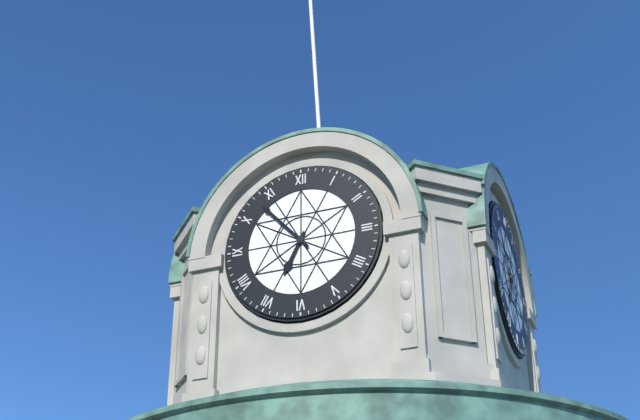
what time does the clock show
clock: 6:53
